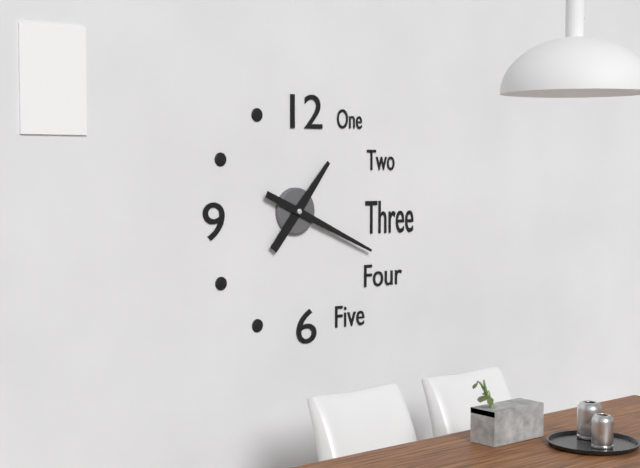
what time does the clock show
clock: 1:19
